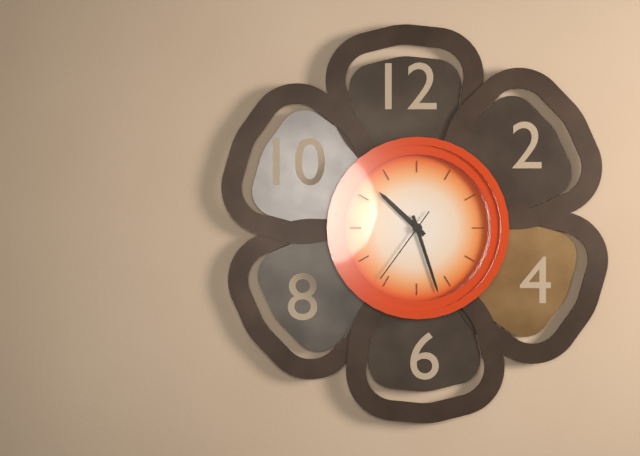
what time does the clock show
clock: 10:27:36
